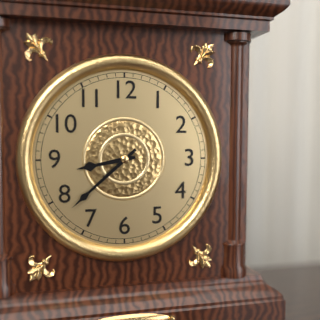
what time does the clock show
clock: 8:38
